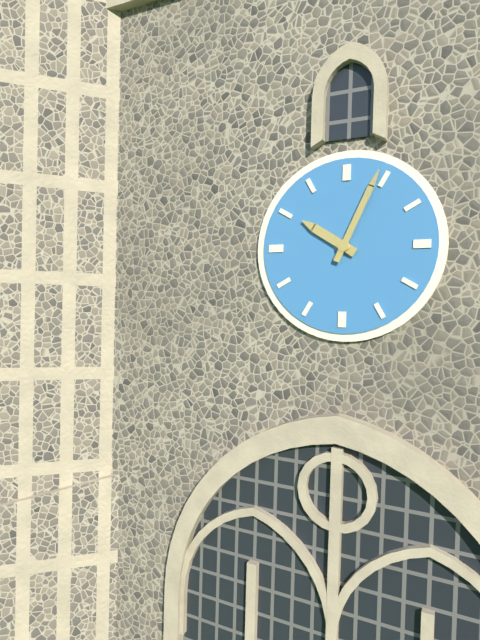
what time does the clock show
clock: 10:04
